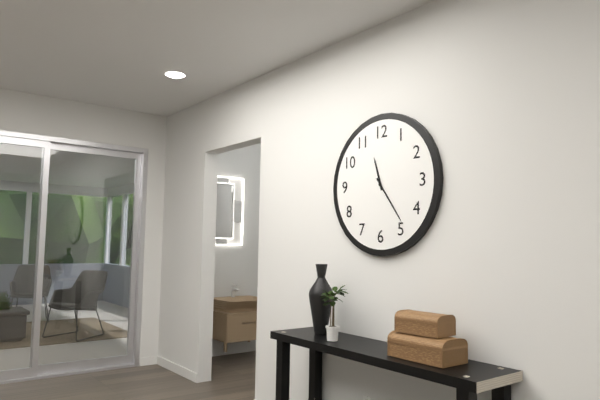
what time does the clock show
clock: 11:24
